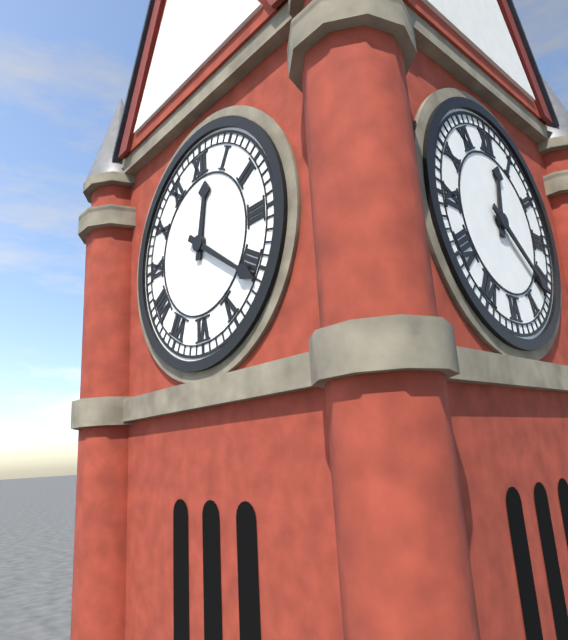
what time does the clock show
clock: 12:21
